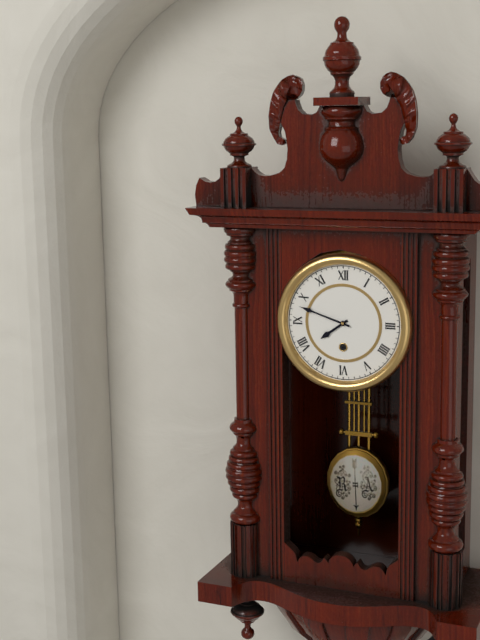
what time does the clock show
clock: 7:48
